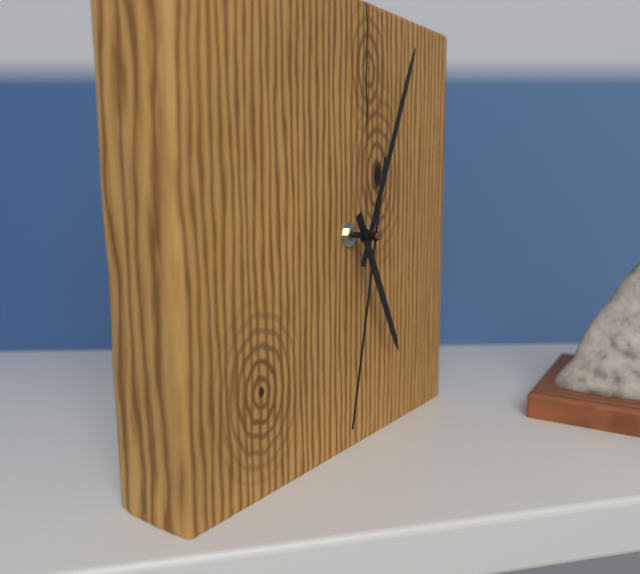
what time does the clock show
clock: 5:04:32
